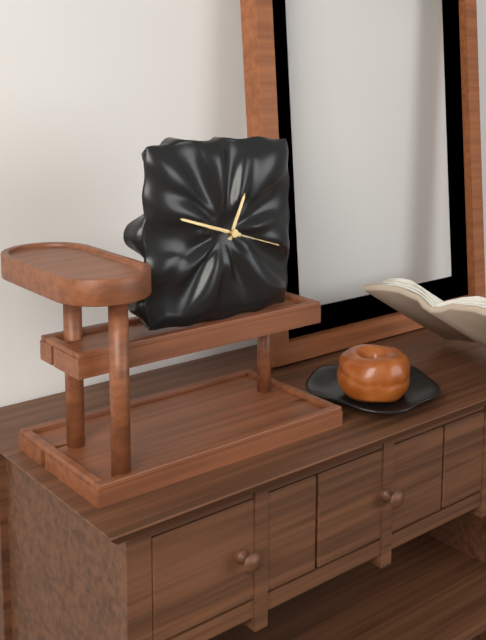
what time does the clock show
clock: 12:48:18
